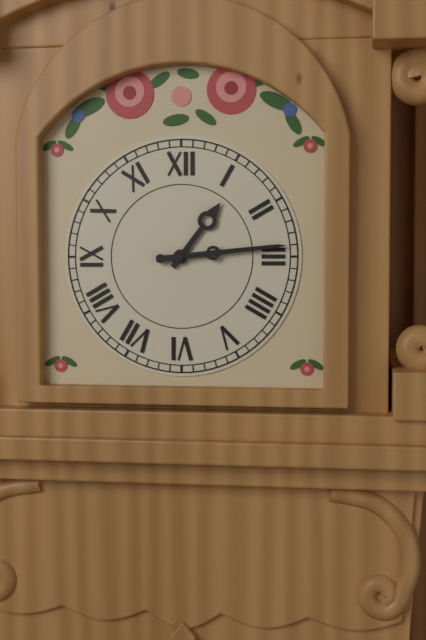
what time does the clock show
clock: 1:14
